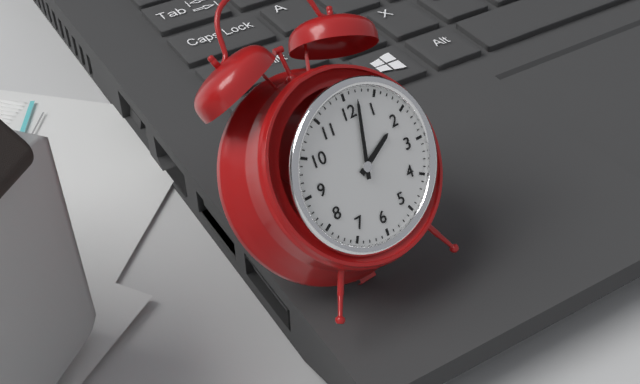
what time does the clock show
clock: 2:02
